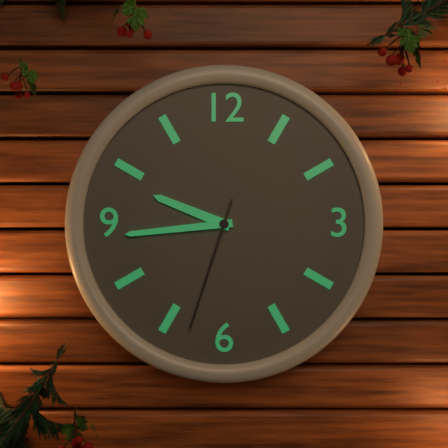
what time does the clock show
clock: 9:44:33
